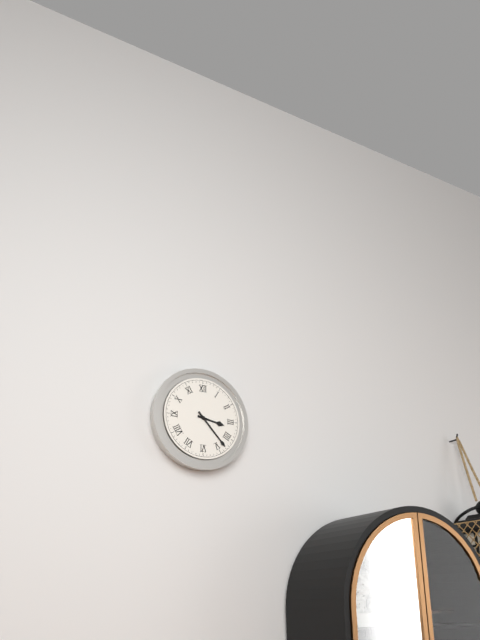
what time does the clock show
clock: 3:23
